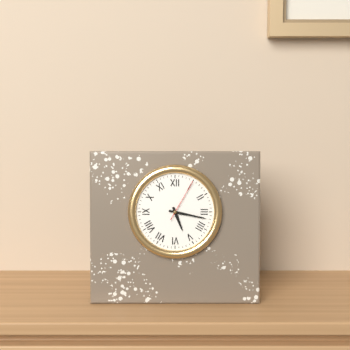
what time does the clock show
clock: 5:17
